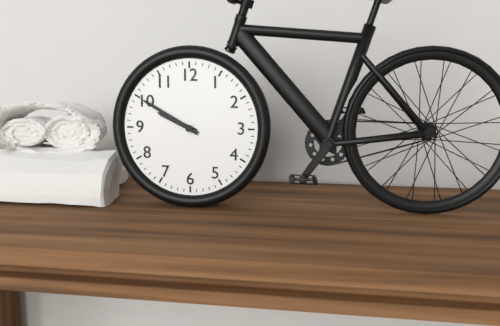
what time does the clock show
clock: 9:50
